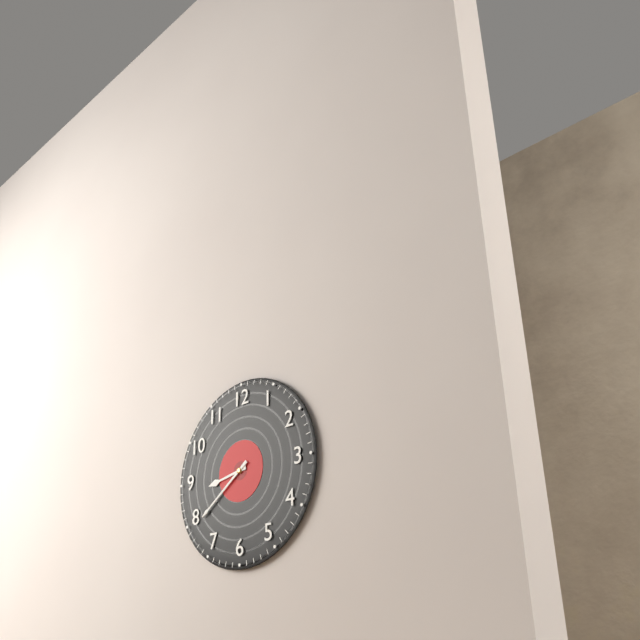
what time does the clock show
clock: 8:39
